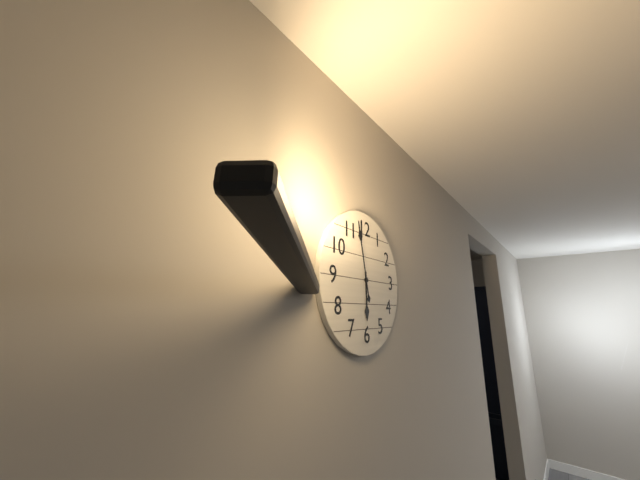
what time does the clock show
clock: 5:58
